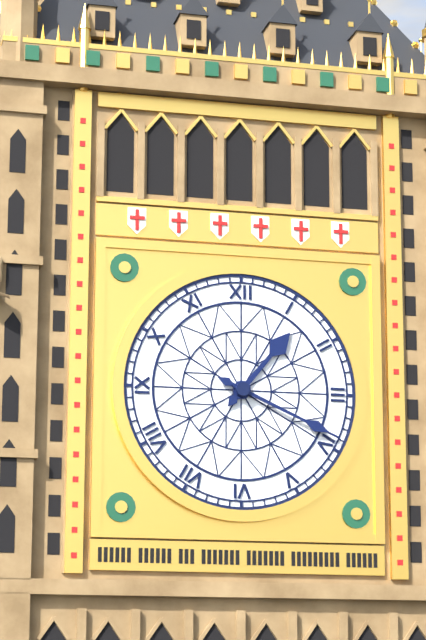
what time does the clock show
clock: 1:19
